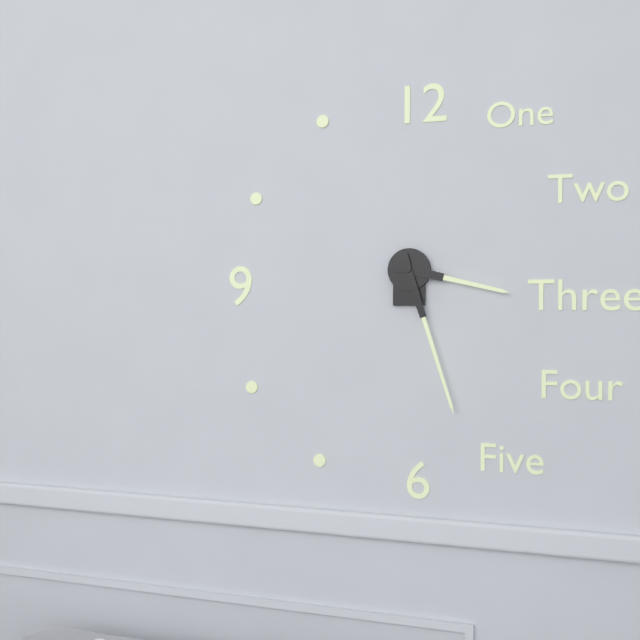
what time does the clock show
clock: 3:27
